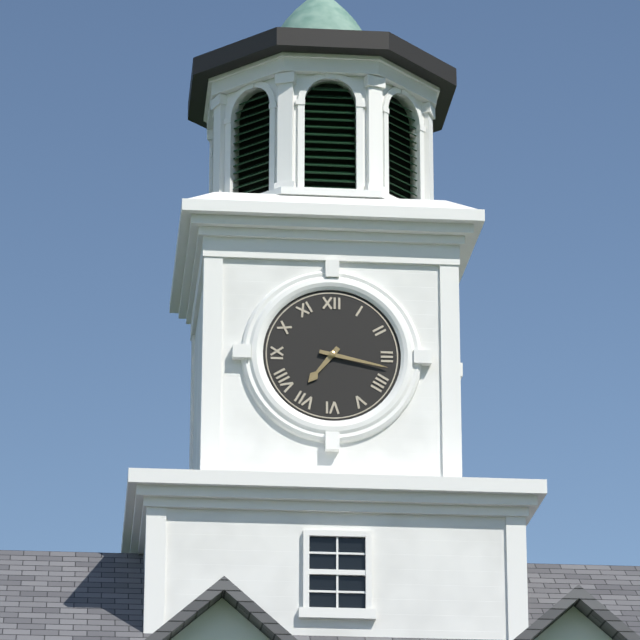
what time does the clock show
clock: 7:17
